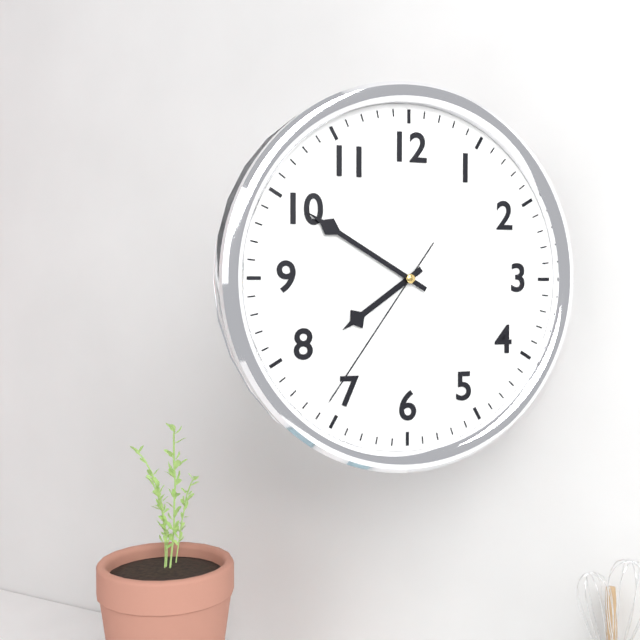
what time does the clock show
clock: 7:50:36
